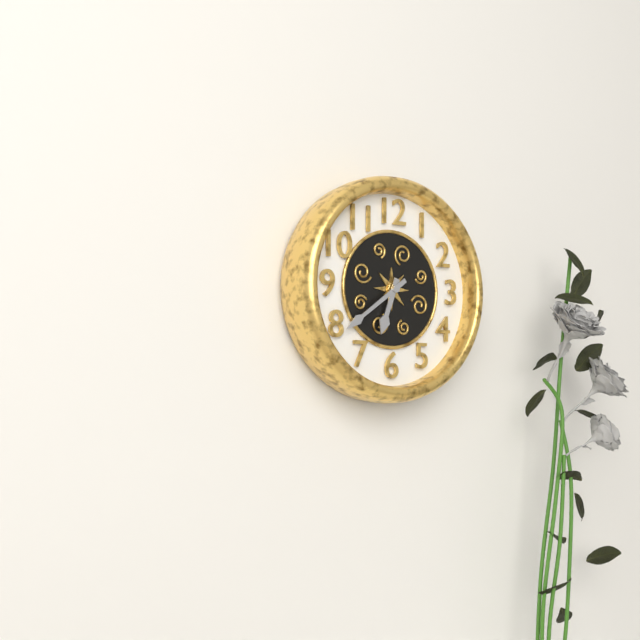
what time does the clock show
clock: 6:39
